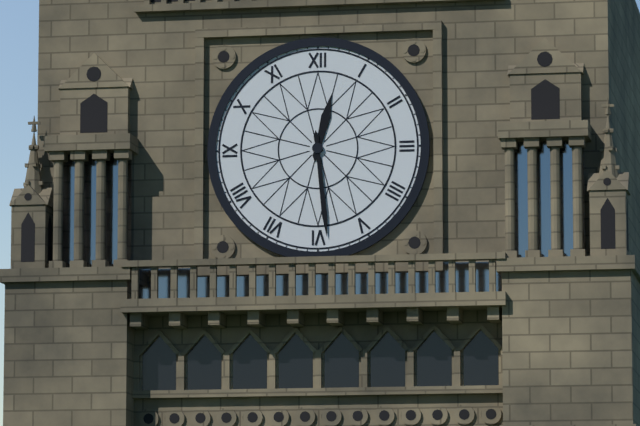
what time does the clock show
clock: 12:29
